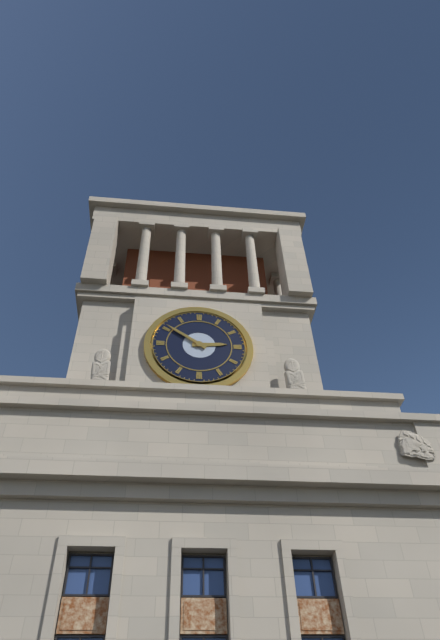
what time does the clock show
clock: 2:51
